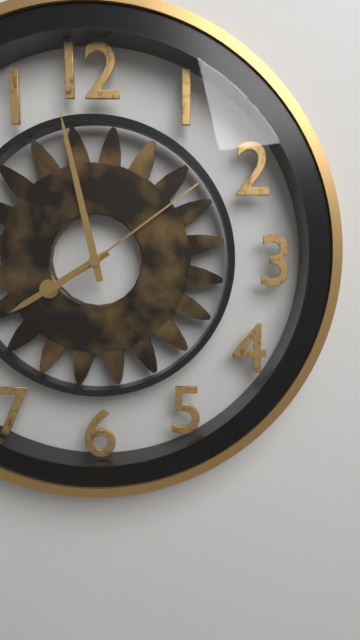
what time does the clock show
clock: 7:58:09
